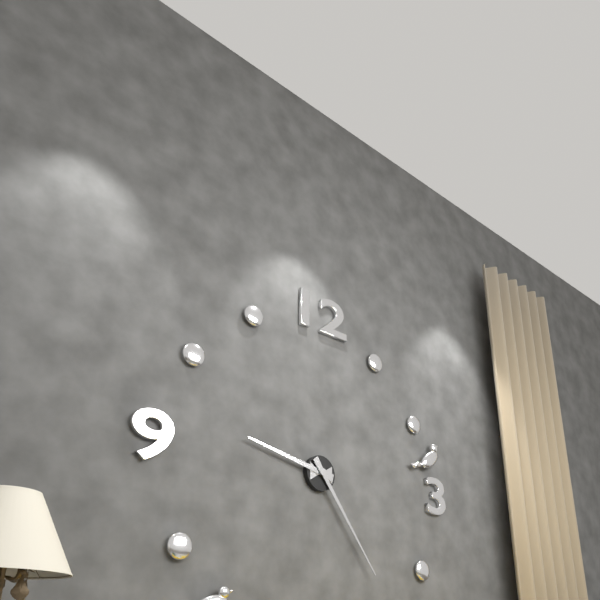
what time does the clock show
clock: 9:24
